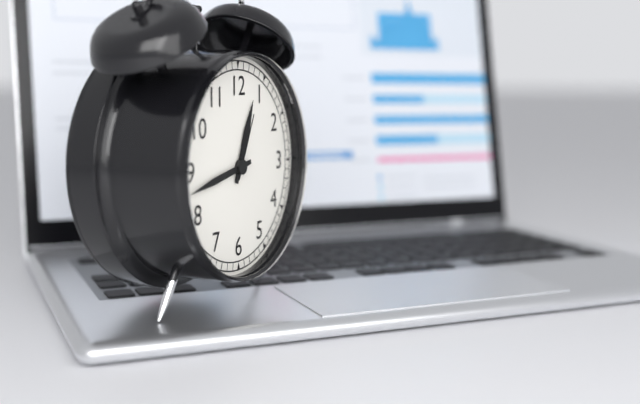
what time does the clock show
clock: 12:43:04
